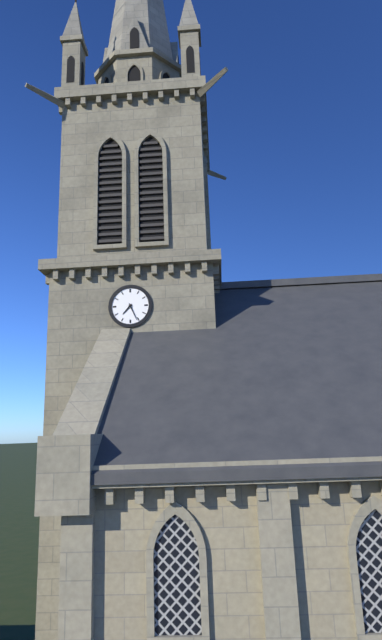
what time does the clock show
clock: 7:26
